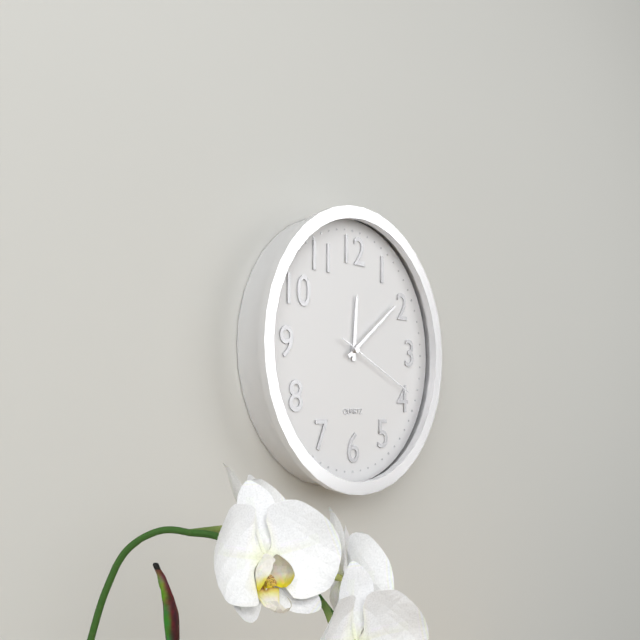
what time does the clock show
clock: 12:09:19
